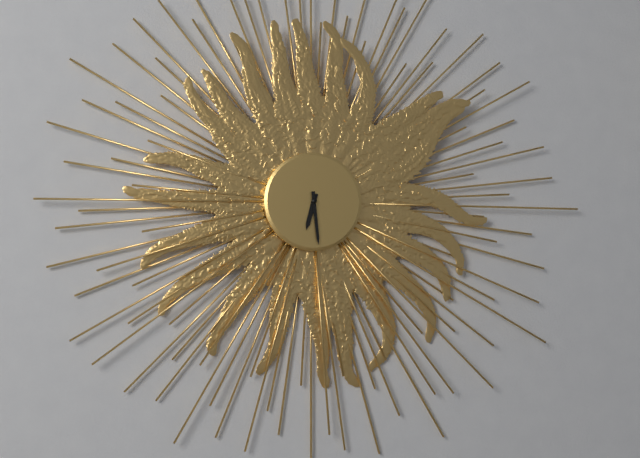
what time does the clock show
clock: 6:29
